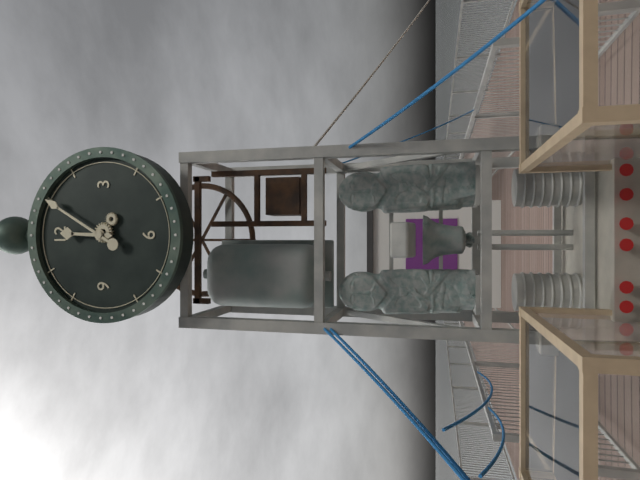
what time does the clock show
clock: 12:05
